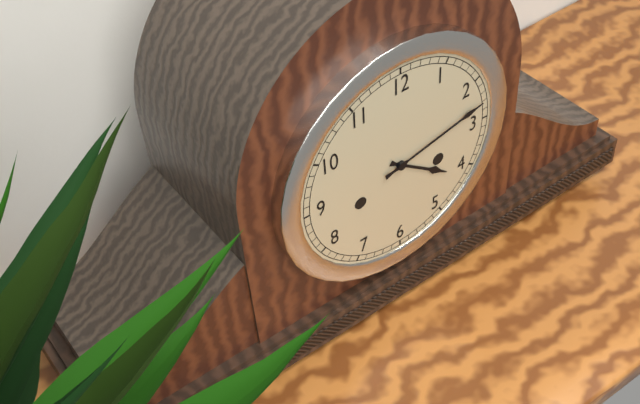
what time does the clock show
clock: 4:13
